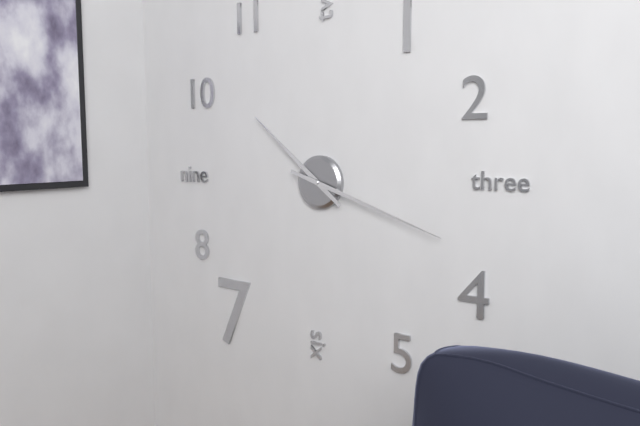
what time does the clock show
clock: 10:18
